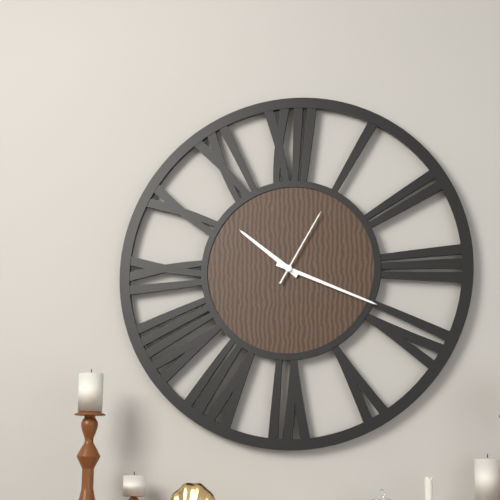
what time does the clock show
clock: 10:19:05
